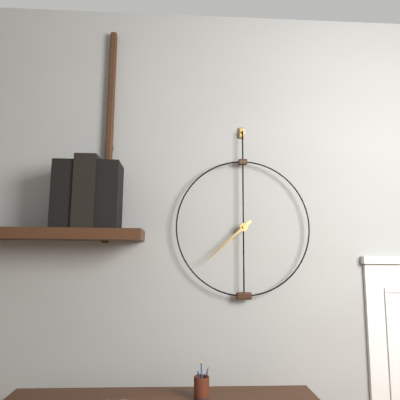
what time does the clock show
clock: 7:38
